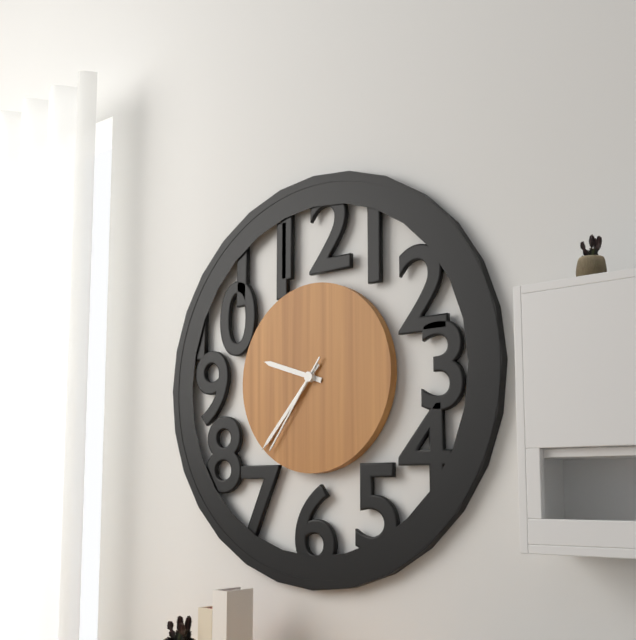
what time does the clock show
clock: 9:37:36
